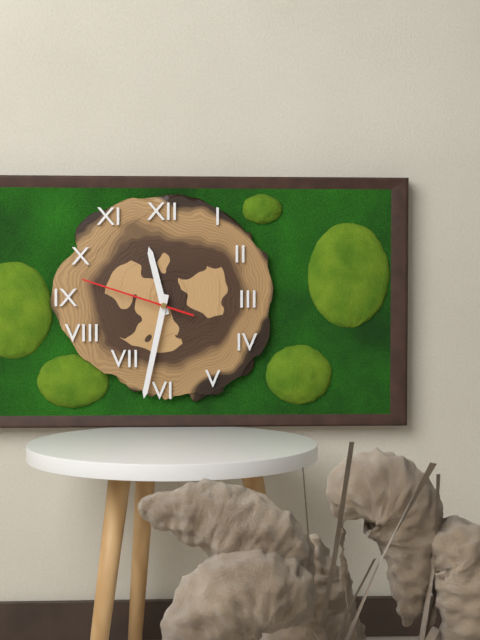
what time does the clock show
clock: 11:32:48
